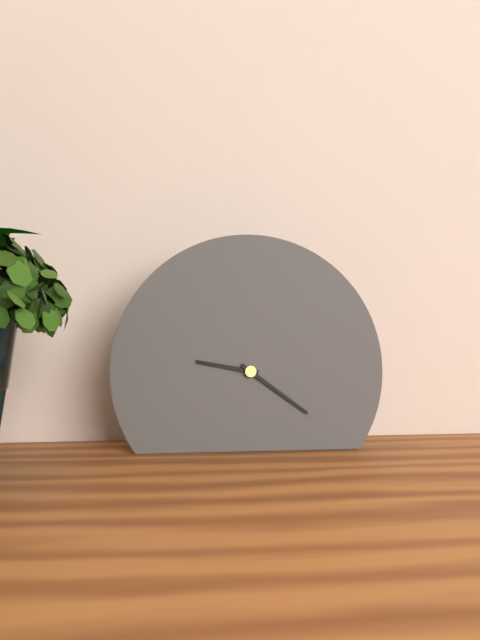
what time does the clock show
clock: 9:21
